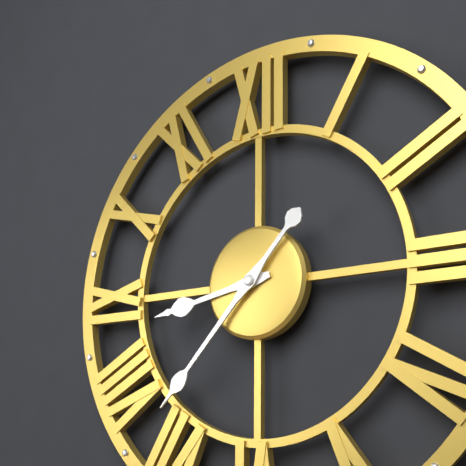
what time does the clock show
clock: 8:37
